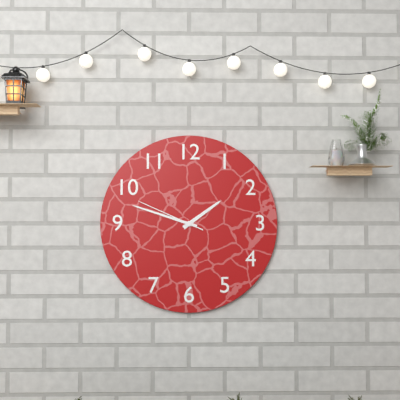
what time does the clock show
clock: 1:48:49
